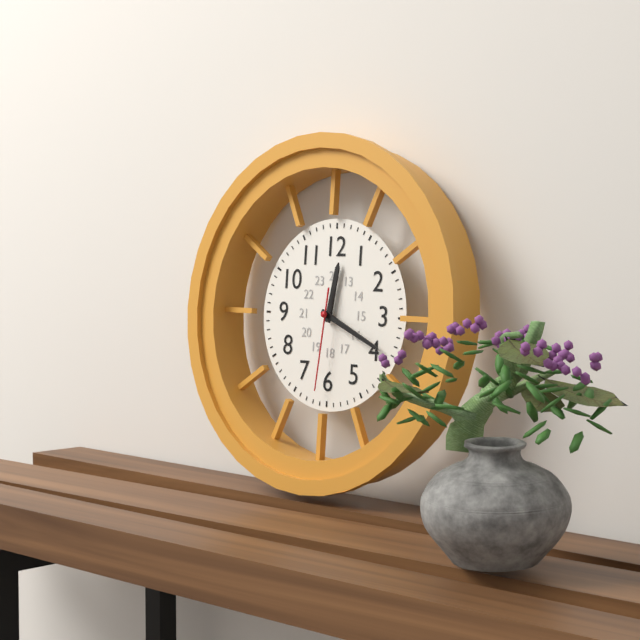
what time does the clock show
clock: 12:19:31
